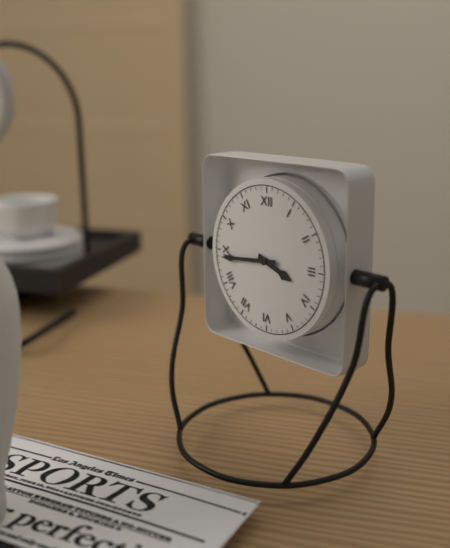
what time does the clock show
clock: 3:44
